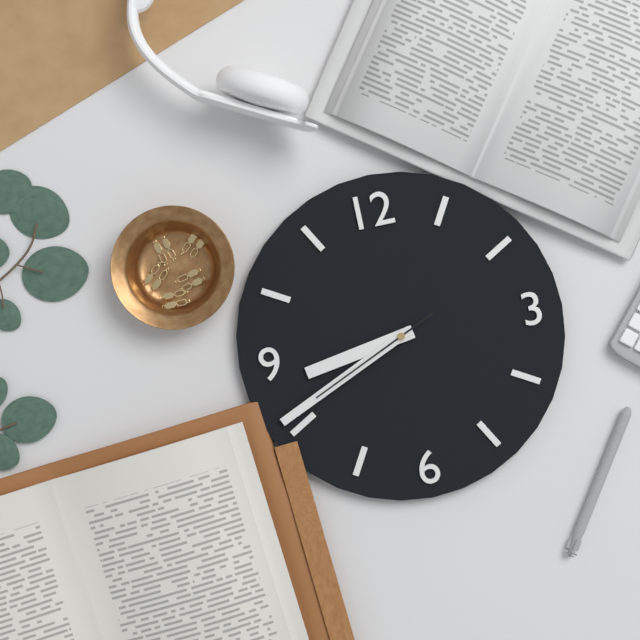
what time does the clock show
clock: 8:41:41
